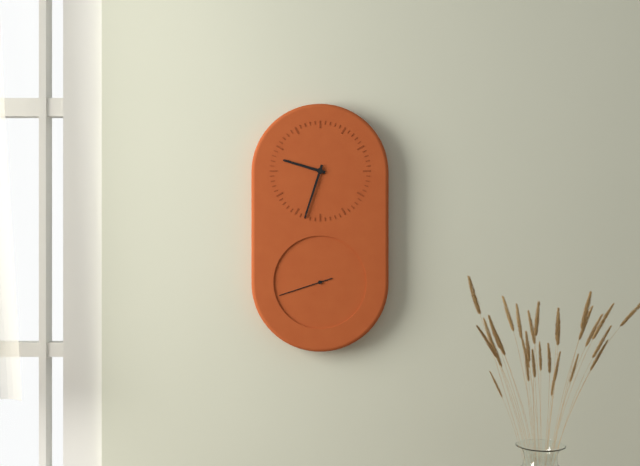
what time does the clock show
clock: 9:33:42
